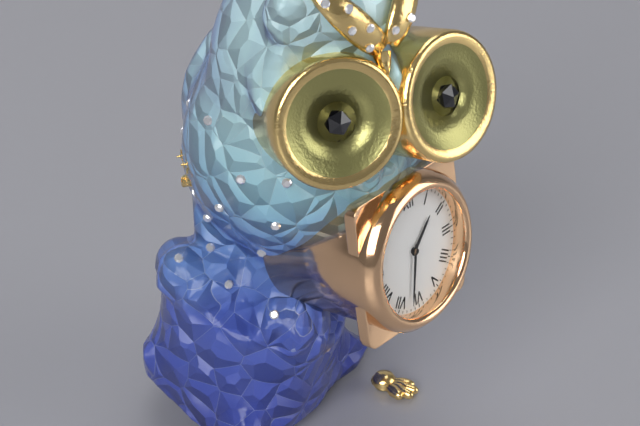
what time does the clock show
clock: 1:32
